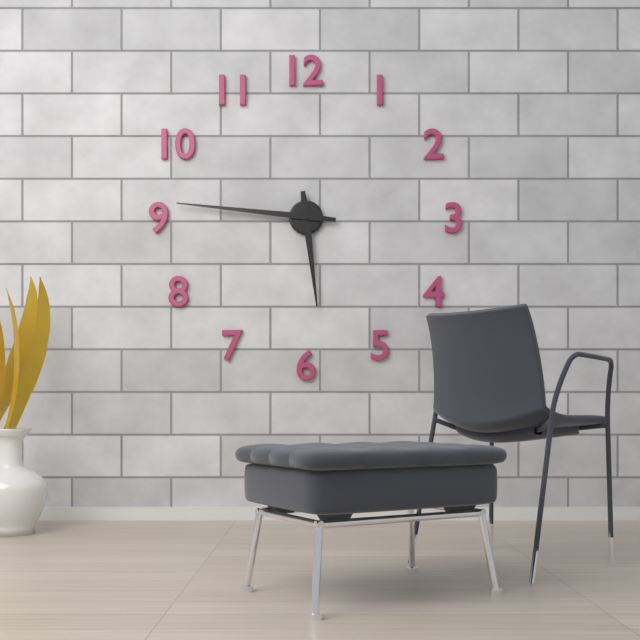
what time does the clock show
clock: 5:46
